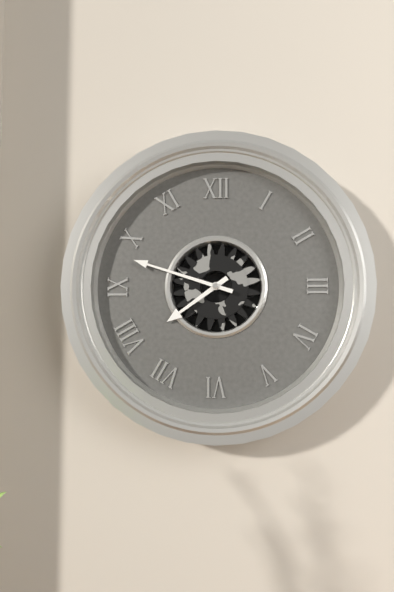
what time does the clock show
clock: 7:48
